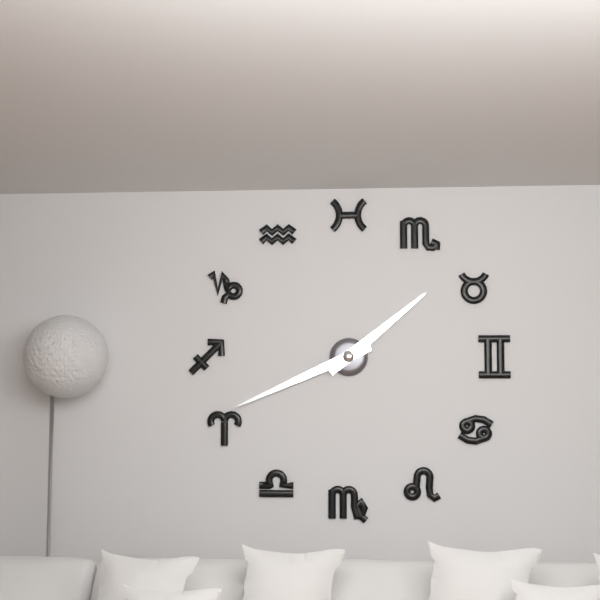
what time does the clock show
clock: 1:41
